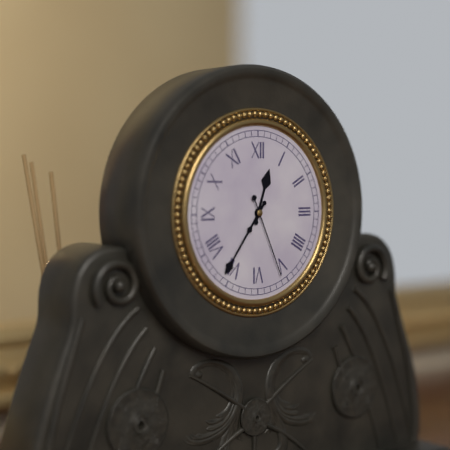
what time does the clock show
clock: 12:36:26
